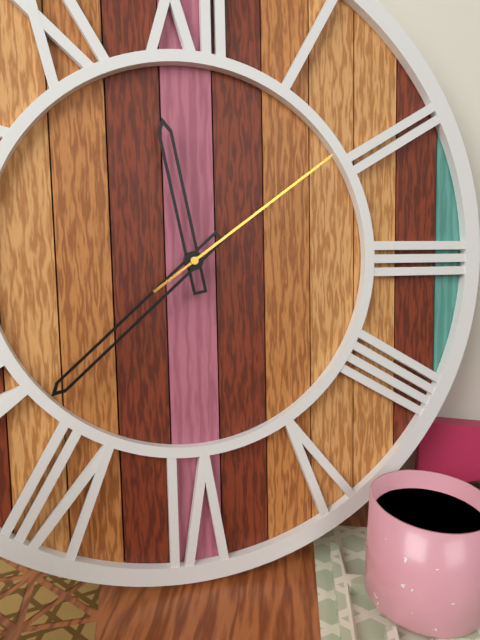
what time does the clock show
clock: 11:38:09
